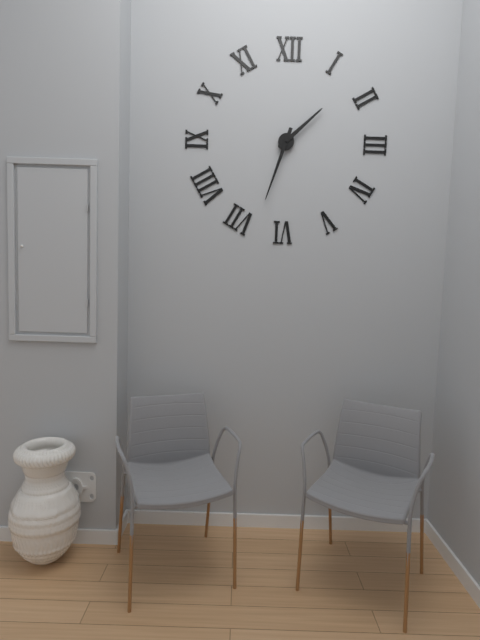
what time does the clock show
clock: 1:33
